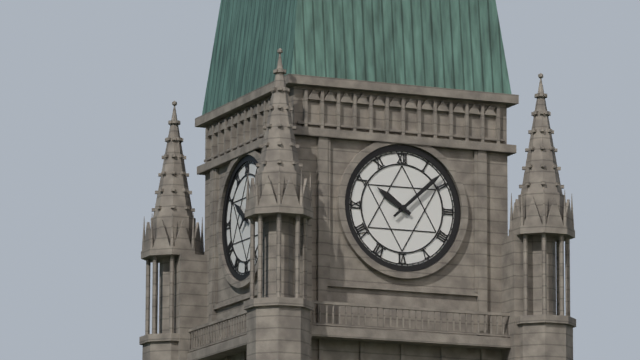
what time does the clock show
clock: 10:08
